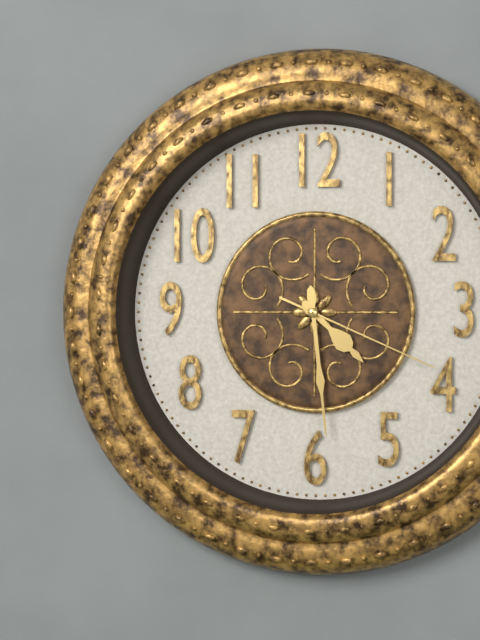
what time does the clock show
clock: 4:29:19
